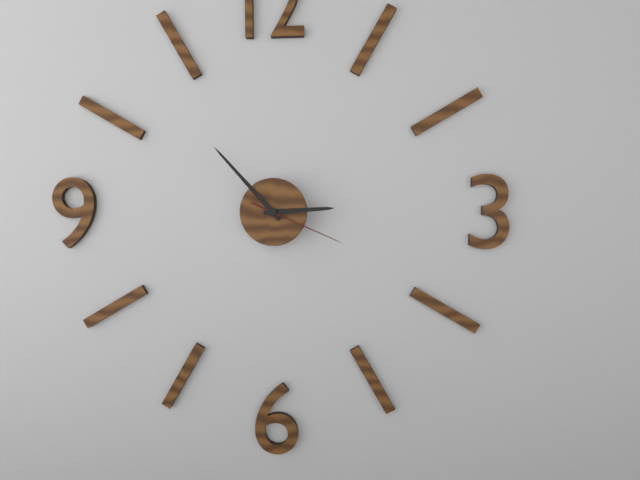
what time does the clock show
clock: 2:53:19
